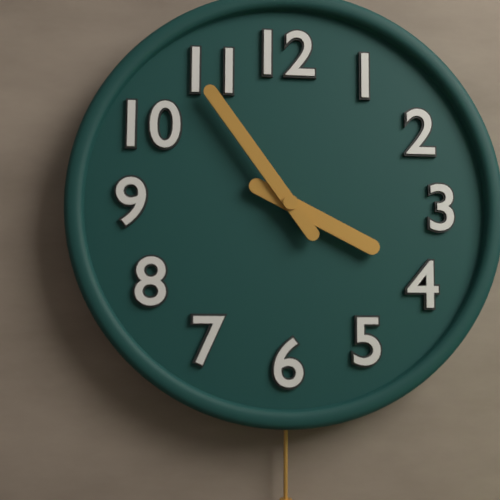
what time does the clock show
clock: 3:54
